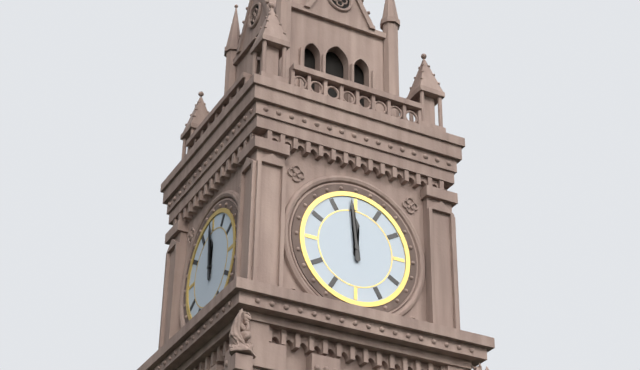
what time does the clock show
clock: 11:59
